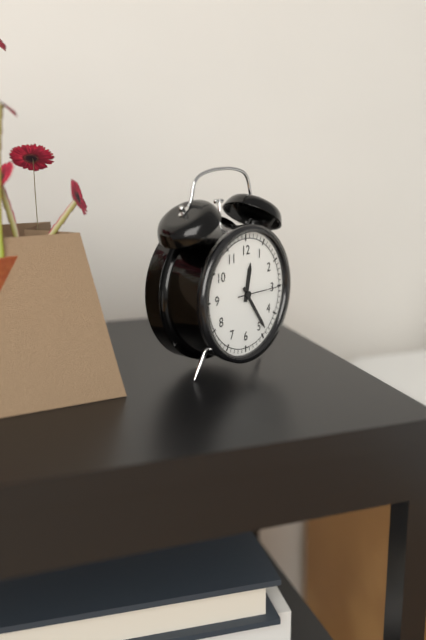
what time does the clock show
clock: 12:24
